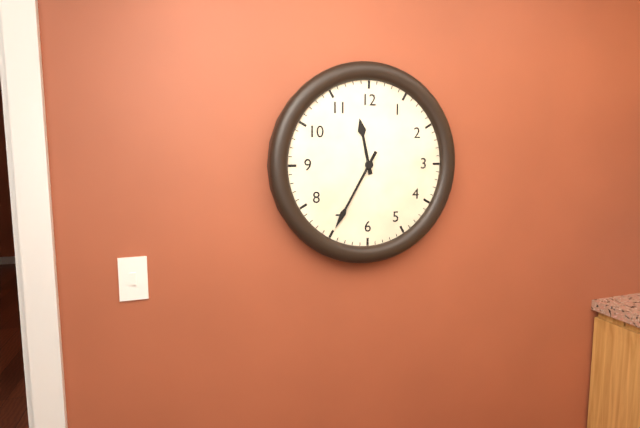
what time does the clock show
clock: 11:35
